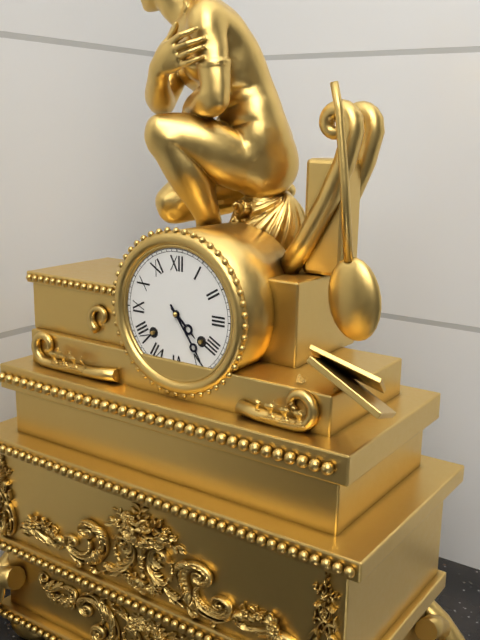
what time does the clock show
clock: 4:24
